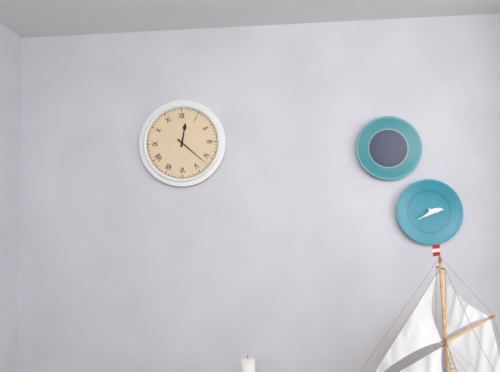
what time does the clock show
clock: 12:22
